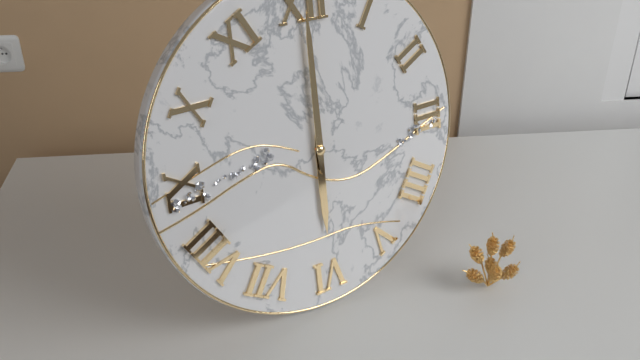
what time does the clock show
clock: 6:00
